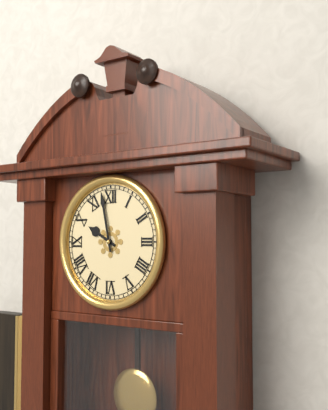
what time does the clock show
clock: 9:58
